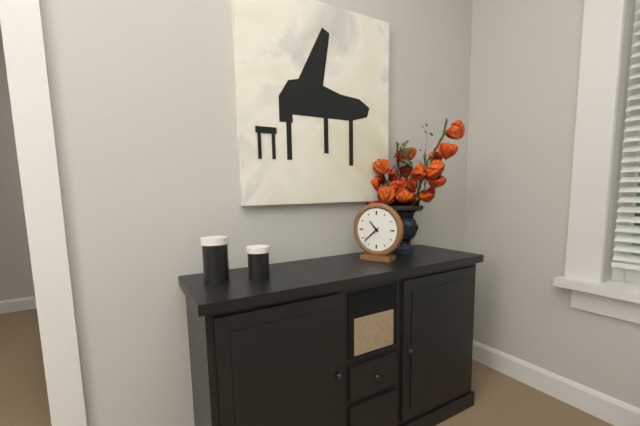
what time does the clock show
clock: 10:38
